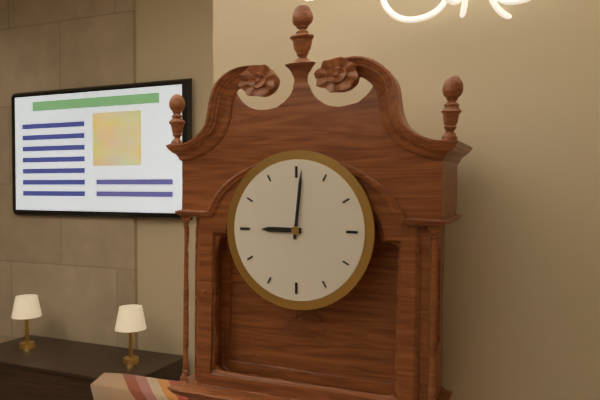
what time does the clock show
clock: 9:01
